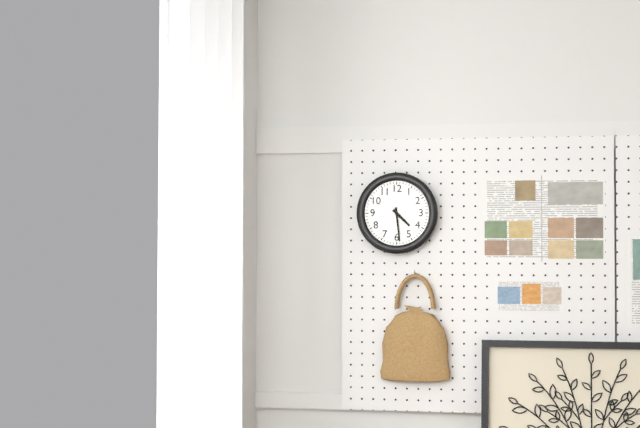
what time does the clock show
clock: 4:29
